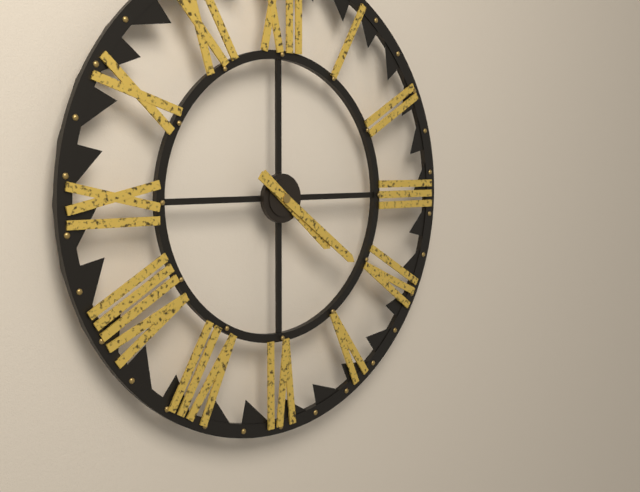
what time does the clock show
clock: 4:21
